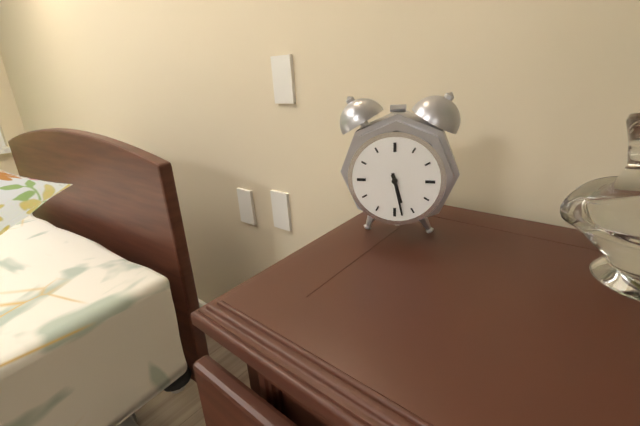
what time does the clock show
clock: 5:28
